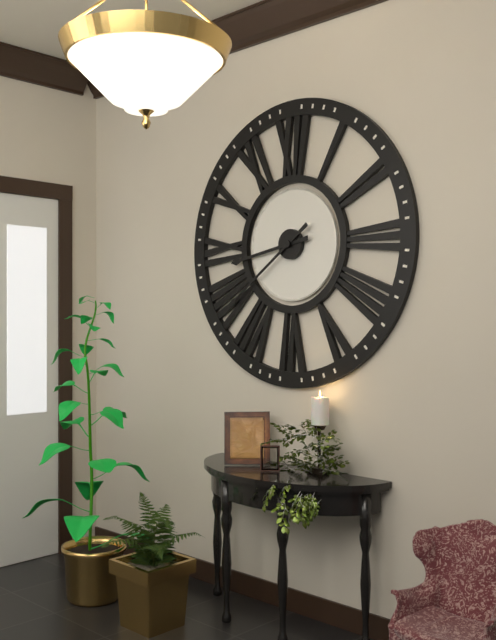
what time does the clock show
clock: 8:39
